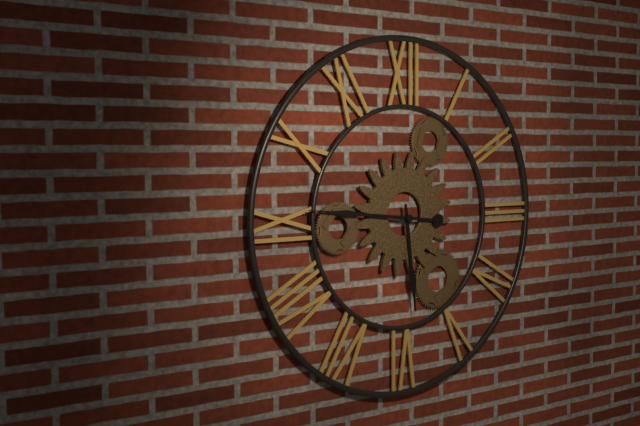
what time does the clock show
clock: 5:46
